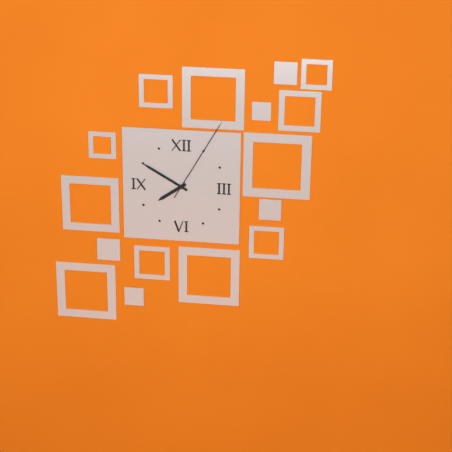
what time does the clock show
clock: 7:50:05
